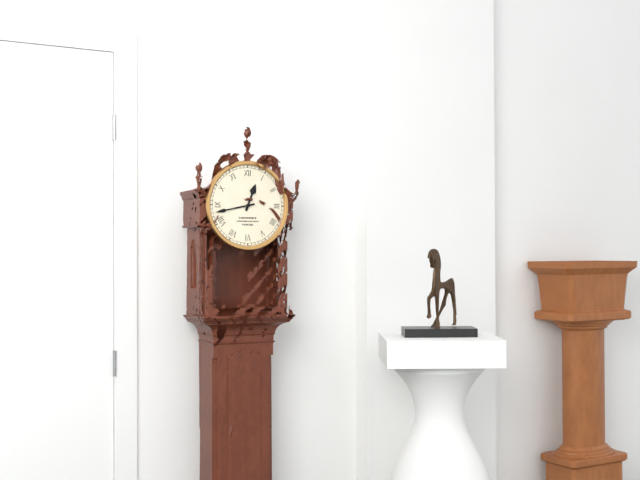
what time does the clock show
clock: 12:43
